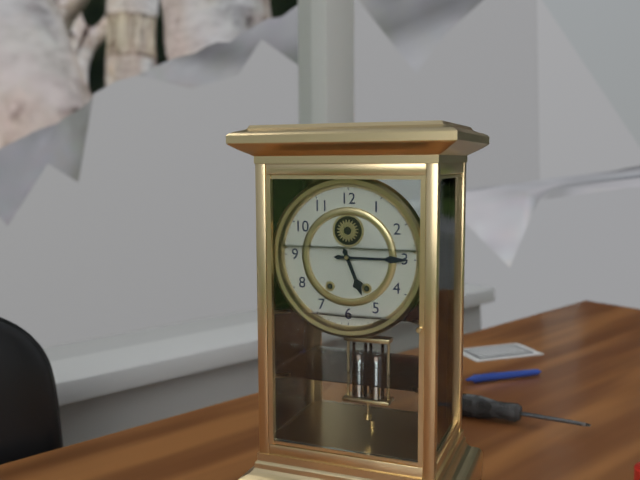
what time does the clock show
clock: 5:15
